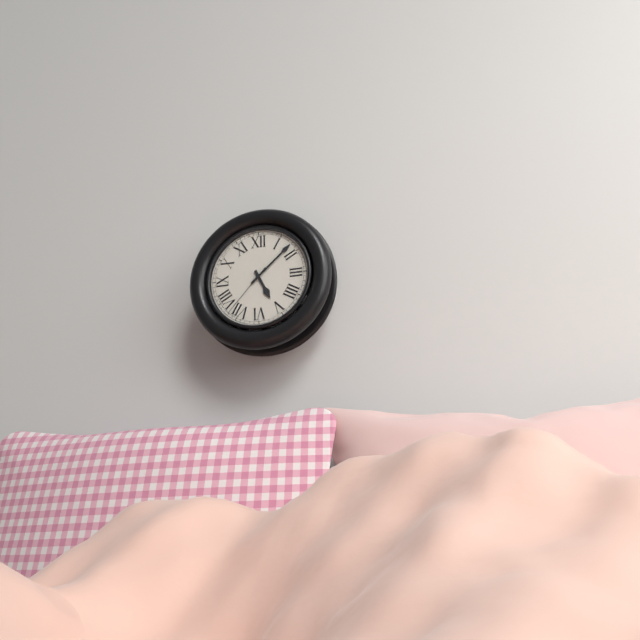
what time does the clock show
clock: 5:08:37
